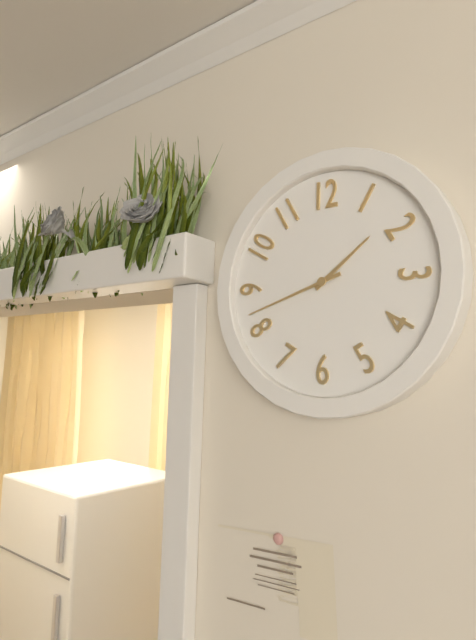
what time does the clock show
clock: 1:42
